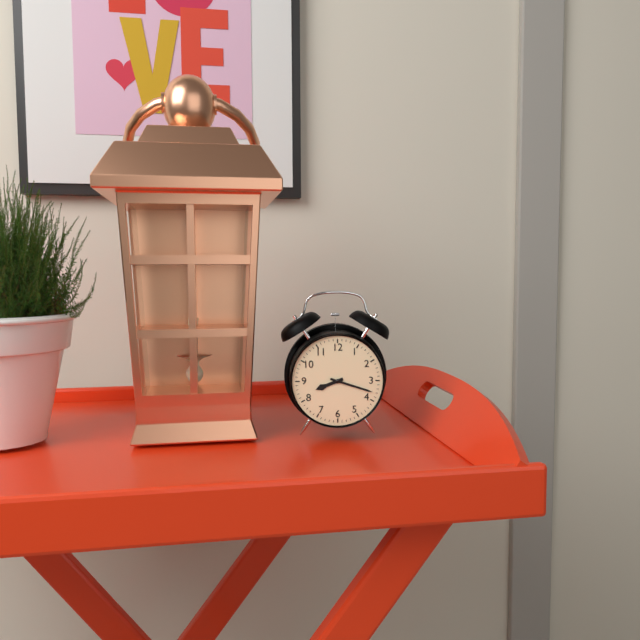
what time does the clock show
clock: 8:18
